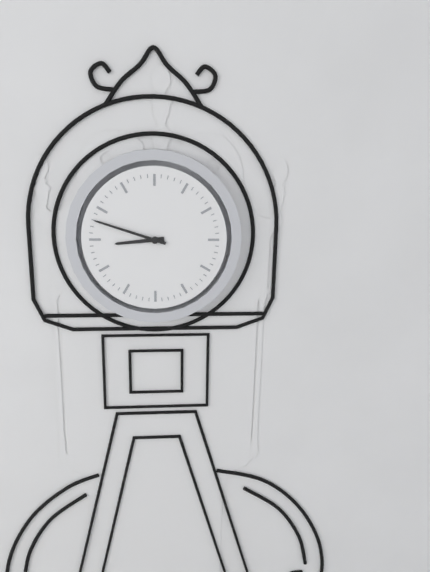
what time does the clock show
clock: 8:48
